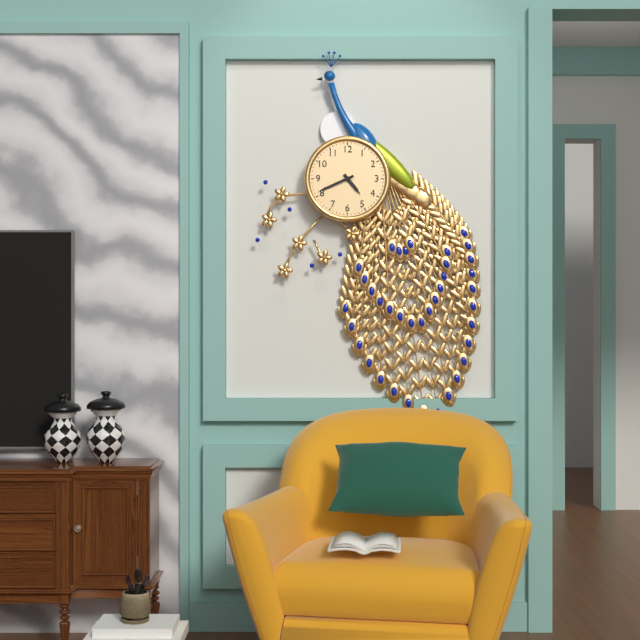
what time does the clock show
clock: 4:41
